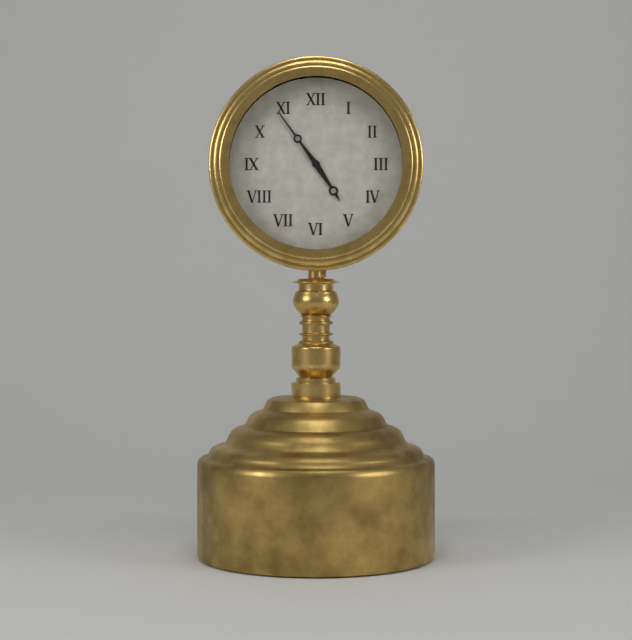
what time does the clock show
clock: 4:54
